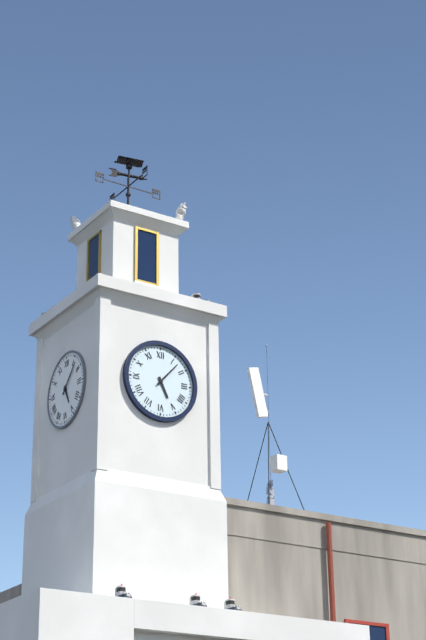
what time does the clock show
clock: 5:07
